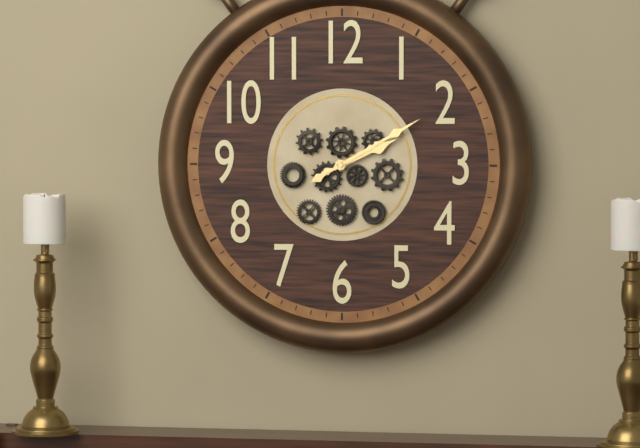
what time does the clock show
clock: 2:10
